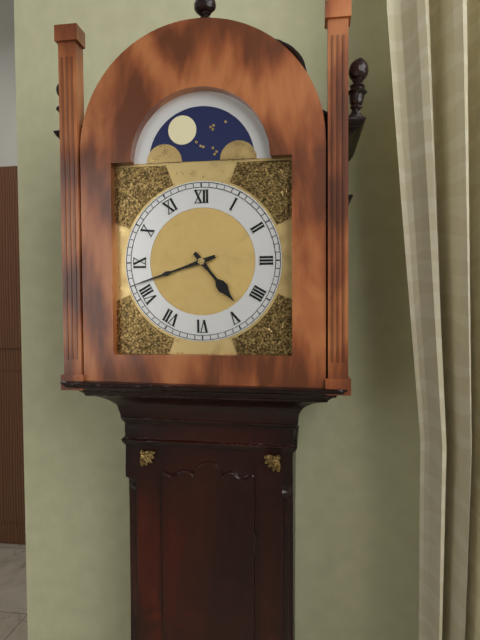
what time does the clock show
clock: 4:42
